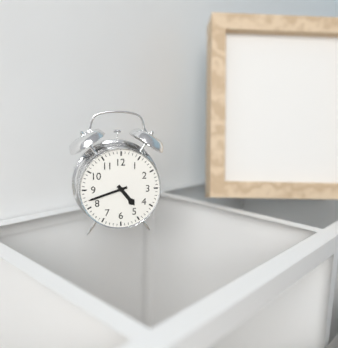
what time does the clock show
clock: 4:42
